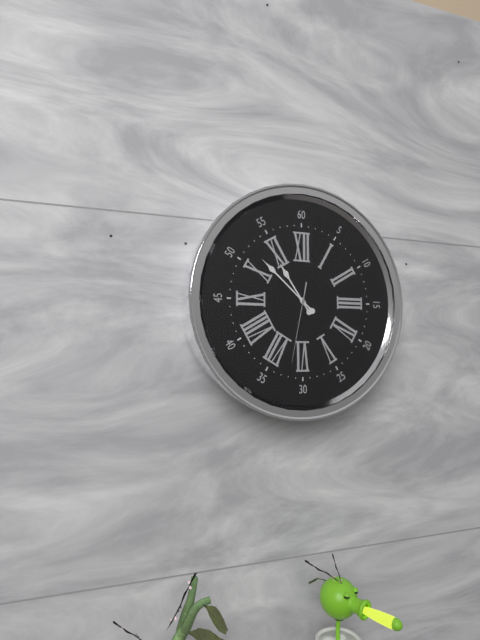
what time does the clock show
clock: 10:52:32
